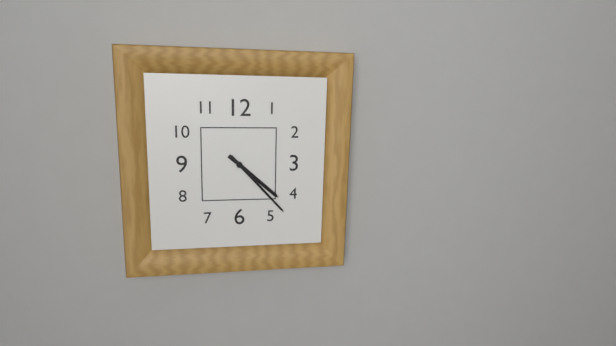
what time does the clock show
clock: 4:23
